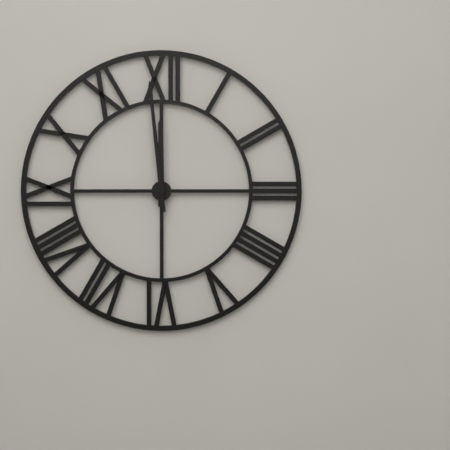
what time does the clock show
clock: 11:59
